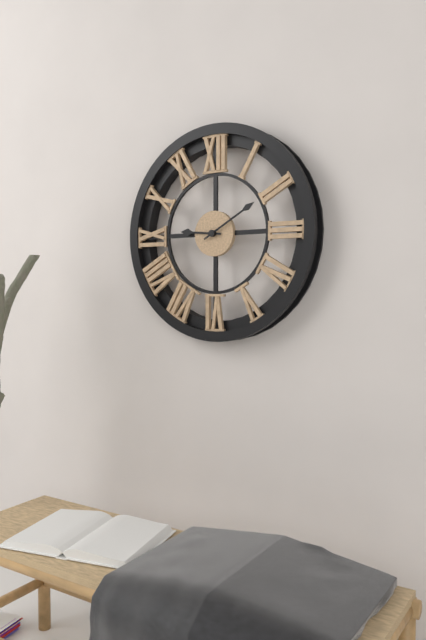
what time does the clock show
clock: 9:10
